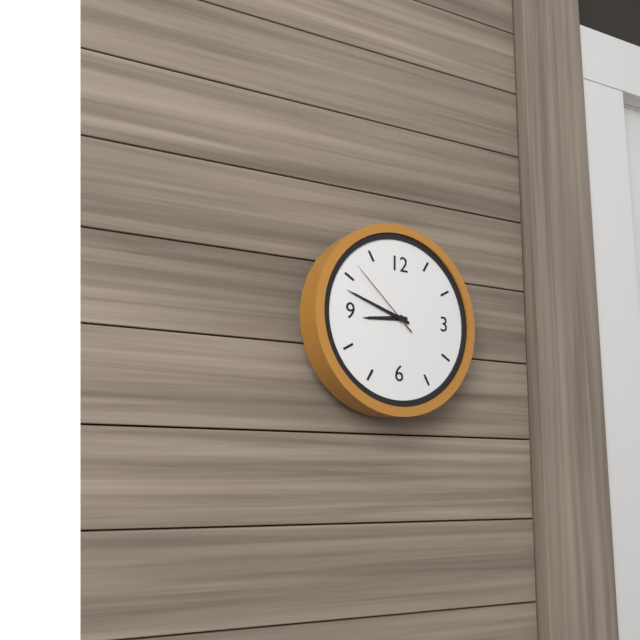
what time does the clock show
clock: 8:48:52
